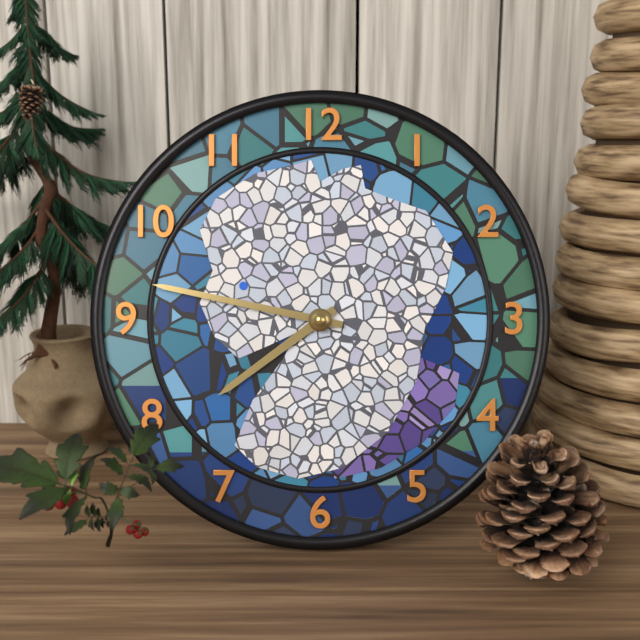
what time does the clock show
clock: 7:47
